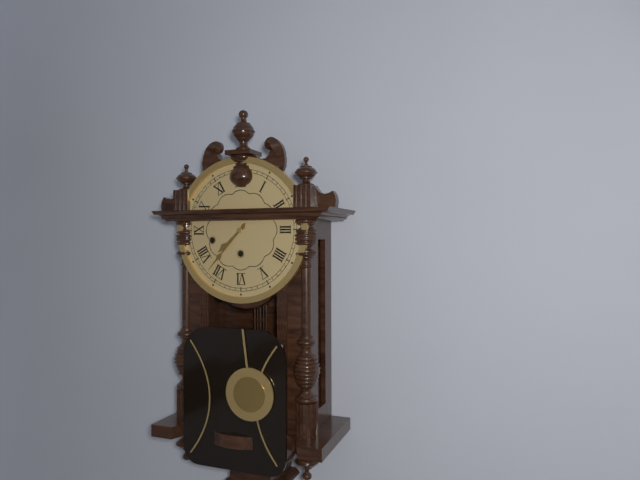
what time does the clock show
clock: 7:37
